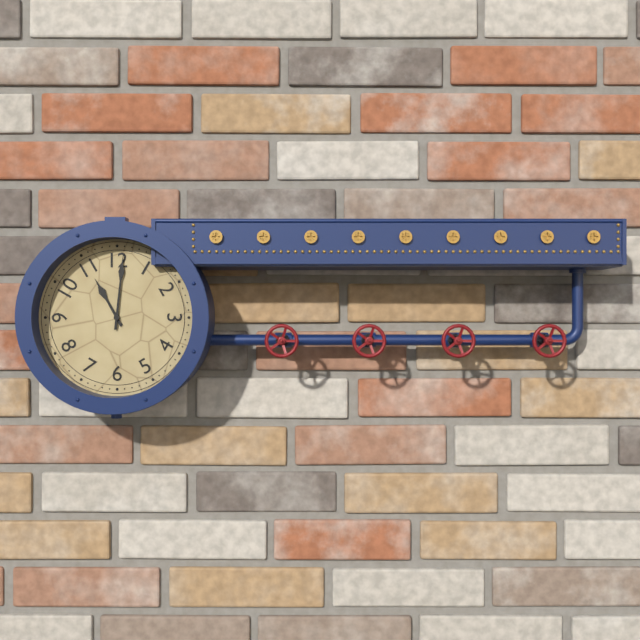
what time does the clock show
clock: 11:01
